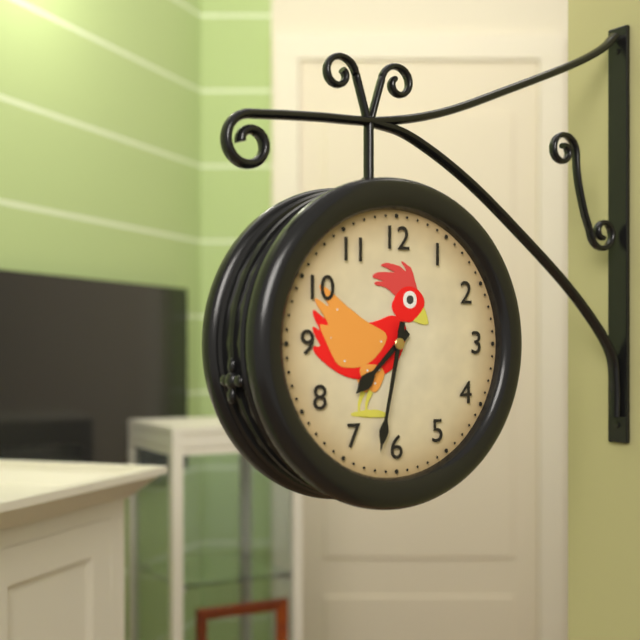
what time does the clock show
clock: 7:32
